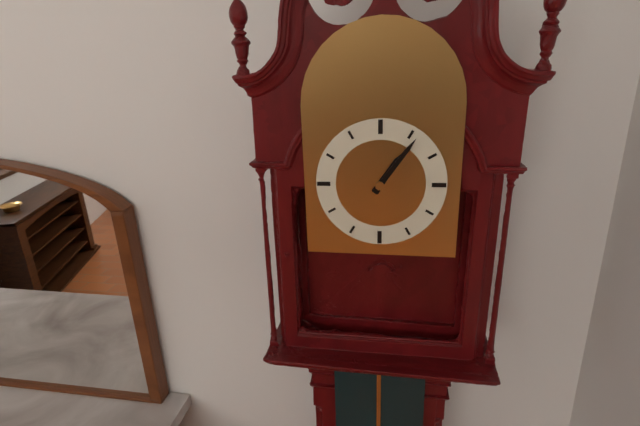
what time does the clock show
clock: 1:06
